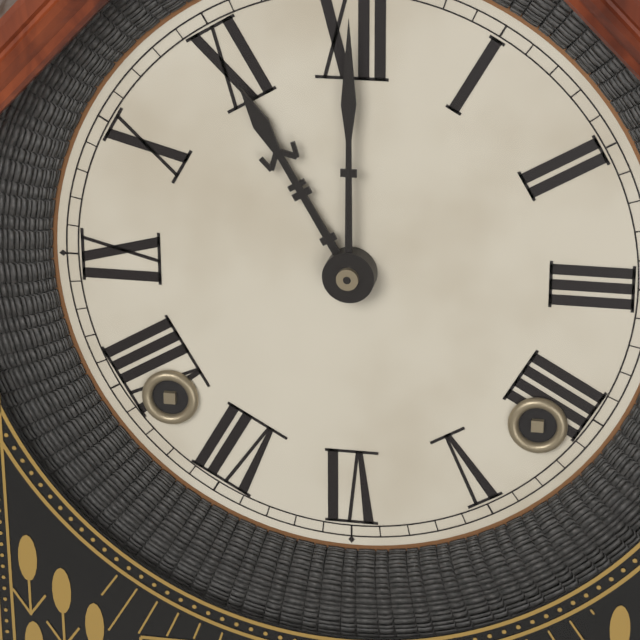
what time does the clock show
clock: 11:00
